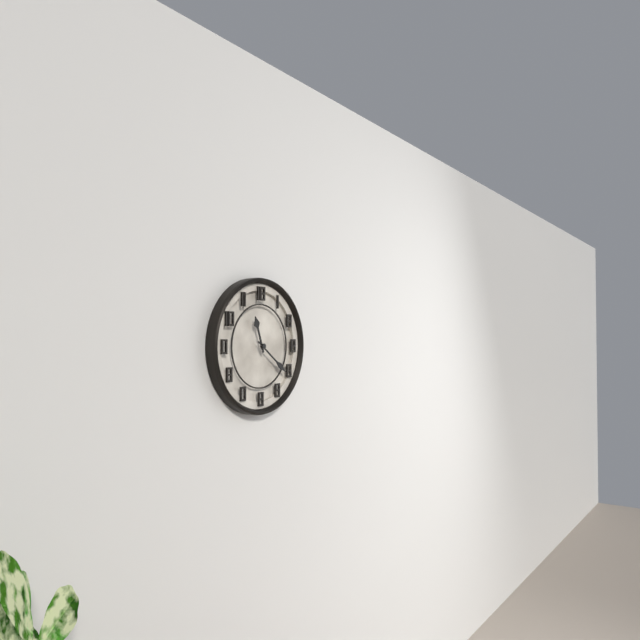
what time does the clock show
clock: 11:21
